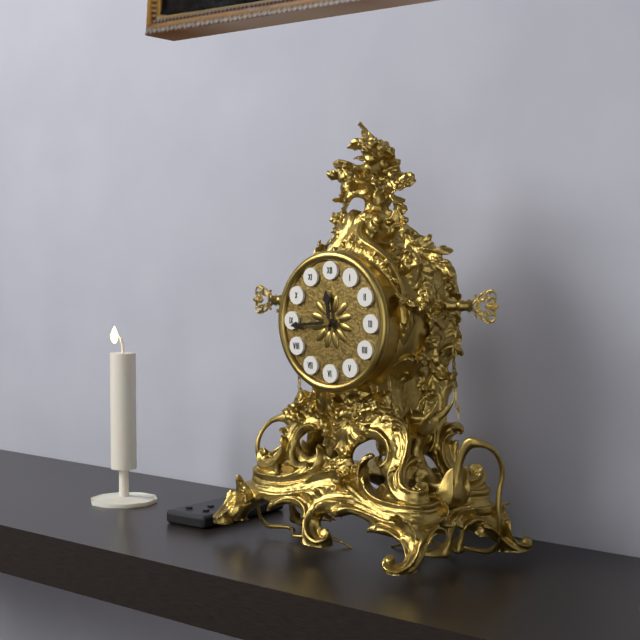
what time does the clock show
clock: 11:44
